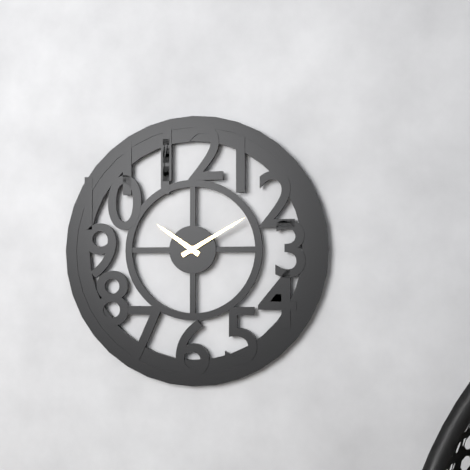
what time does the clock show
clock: 10:10
